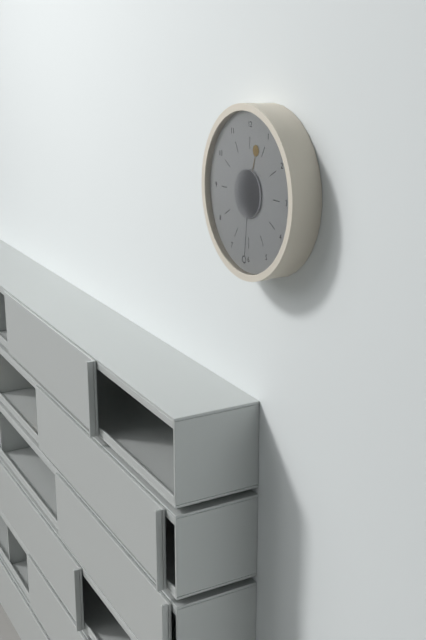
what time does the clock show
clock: 12:31
